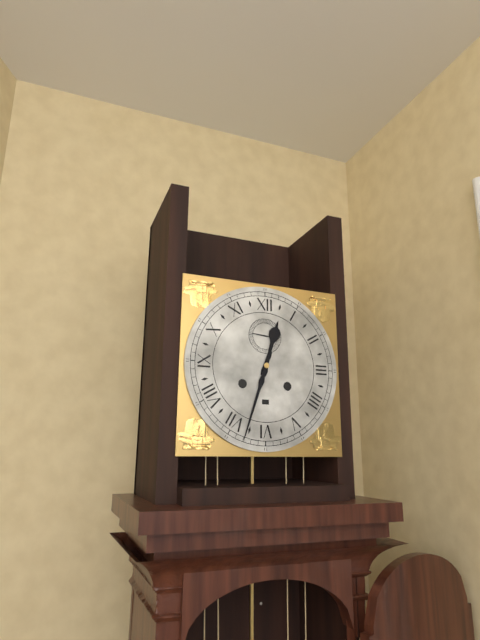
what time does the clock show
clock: 12:33
